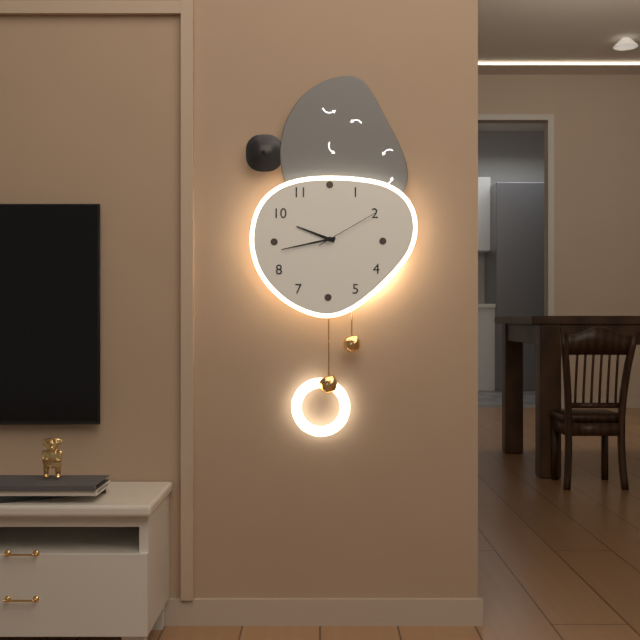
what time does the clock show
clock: 9:43:10
